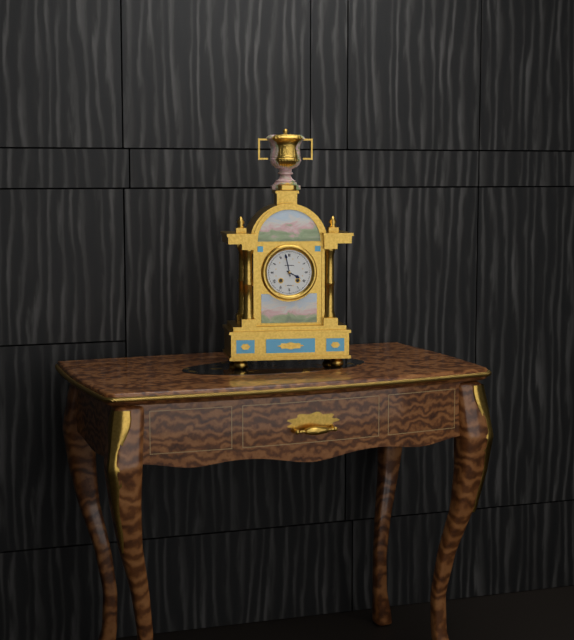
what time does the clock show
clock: 3:58
